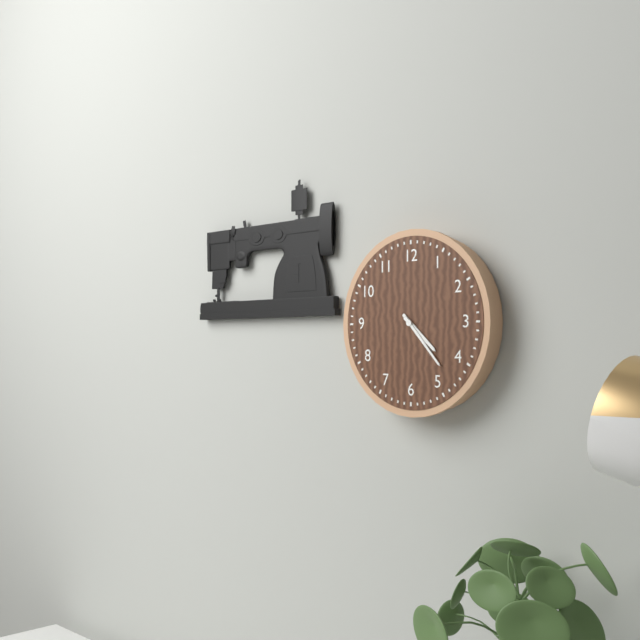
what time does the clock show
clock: 4:23
